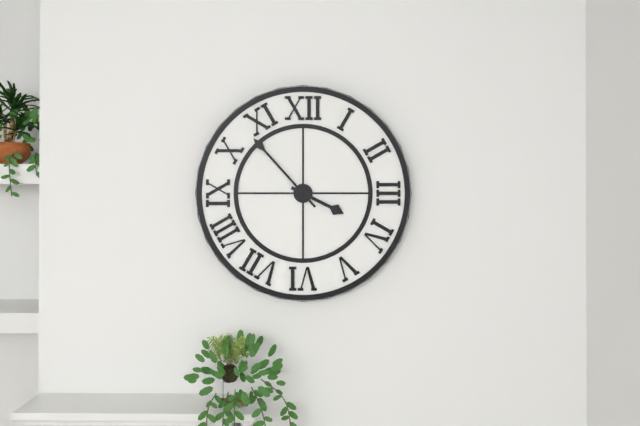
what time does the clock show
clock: 3:53
